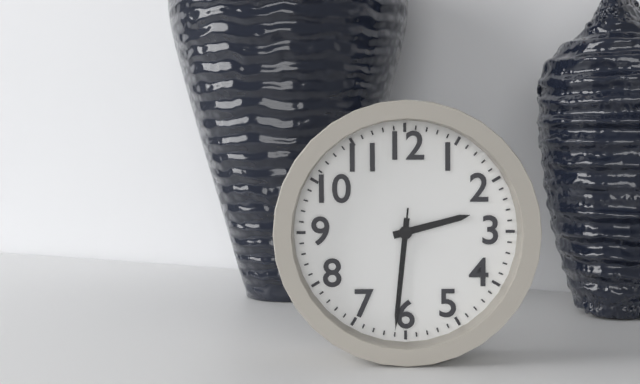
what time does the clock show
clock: 2:31:31
